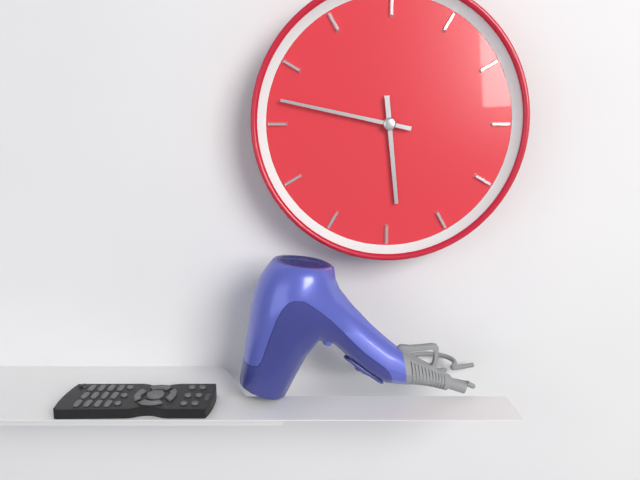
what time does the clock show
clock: 5:47
